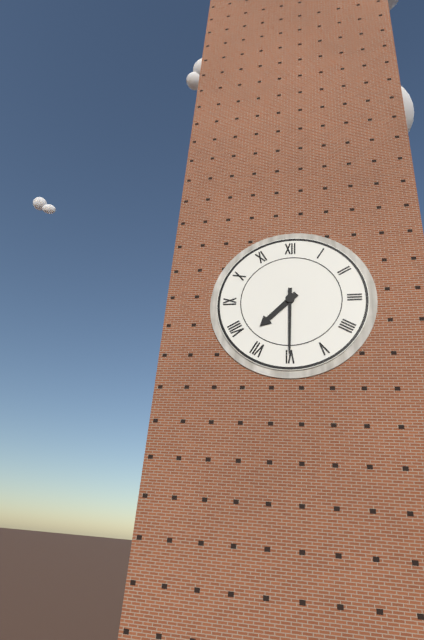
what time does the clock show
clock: 7:30
